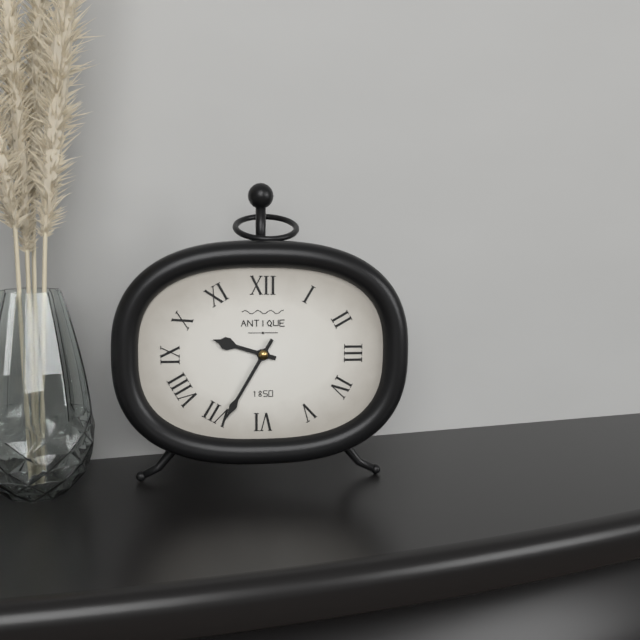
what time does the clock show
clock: 9:35
